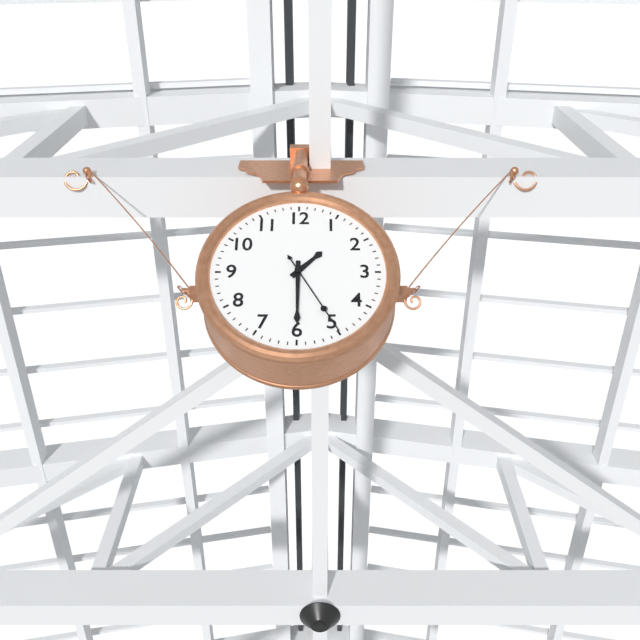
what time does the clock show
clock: 1:30:25
